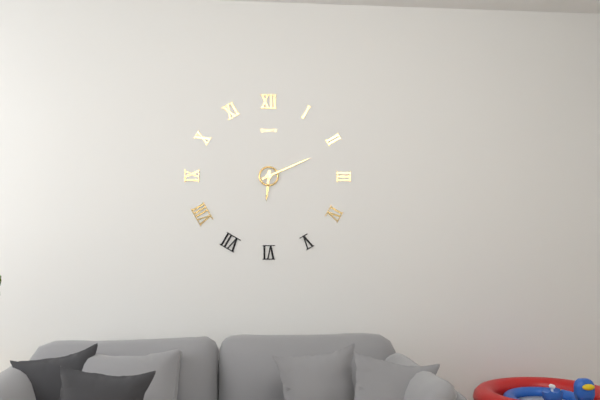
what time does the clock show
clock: 6:11
